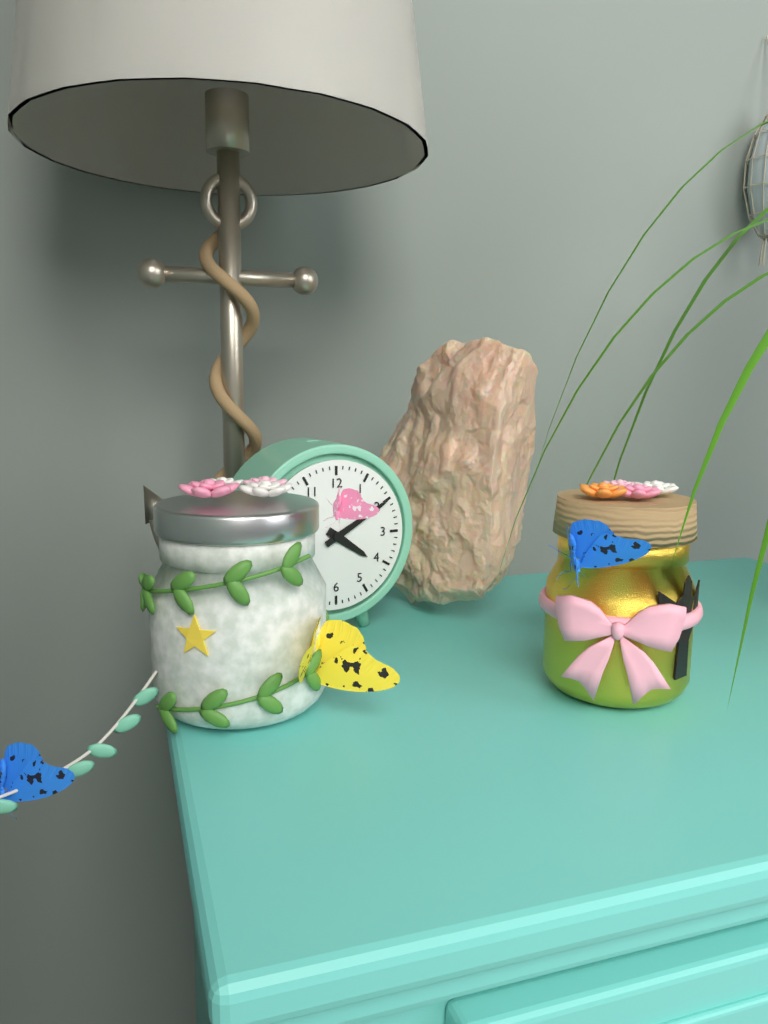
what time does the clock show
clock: 4:10
